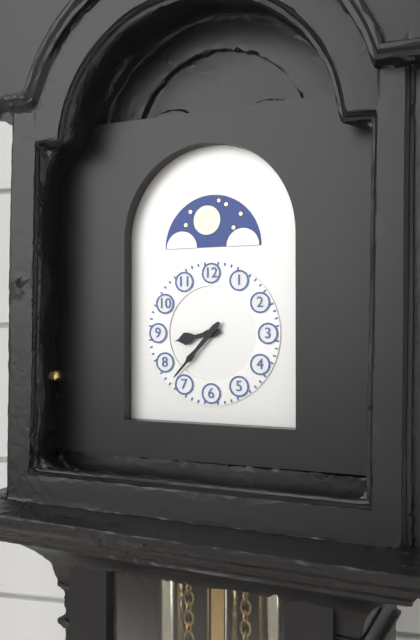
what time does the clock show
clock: 8:37
